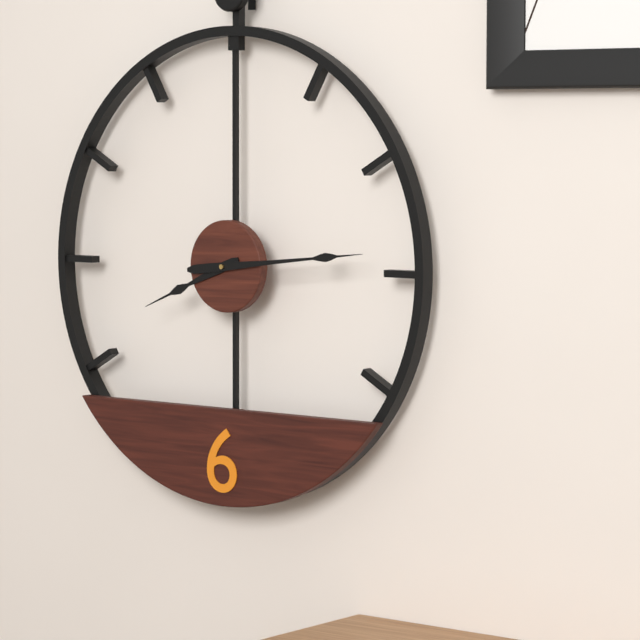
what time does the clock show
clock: 8:14
